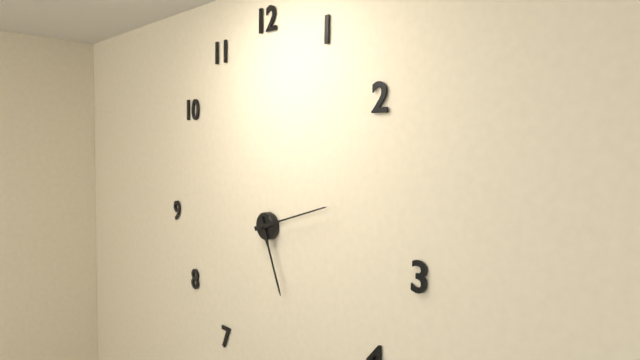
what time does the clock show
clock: 5:12
